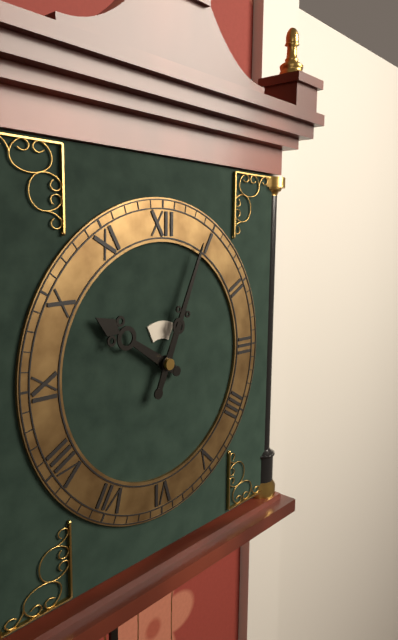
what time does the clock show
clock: 10:04
